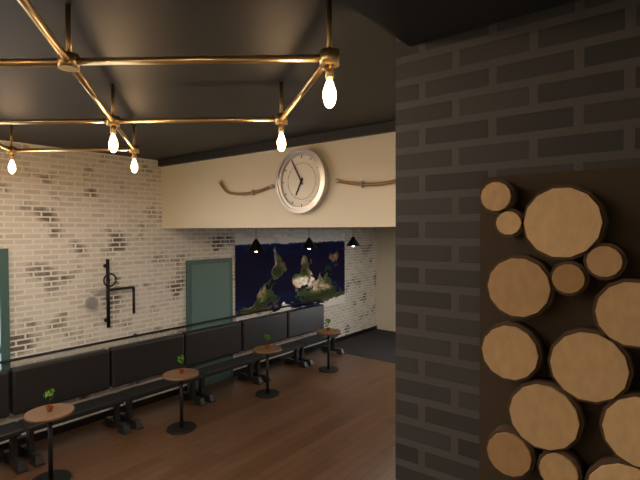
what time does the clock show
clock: 6:55
